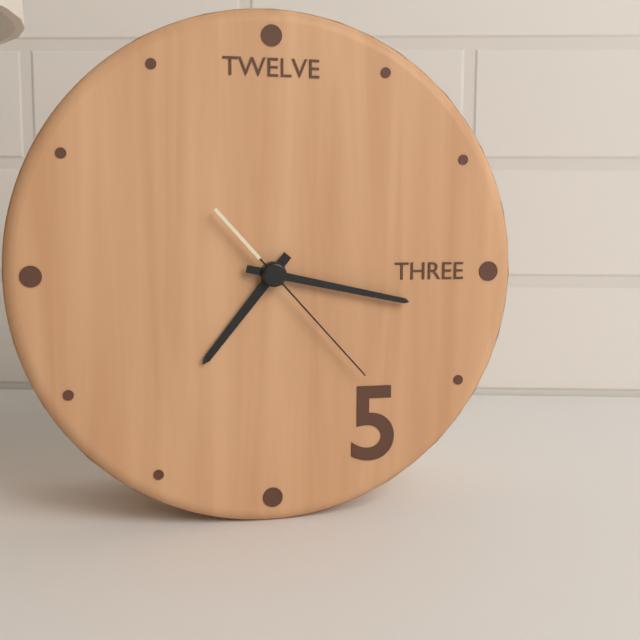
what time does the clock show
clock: 7:17:23
